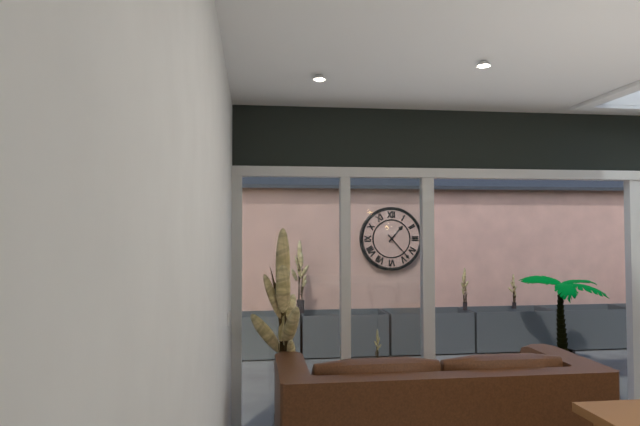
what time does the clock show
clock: 1:23
